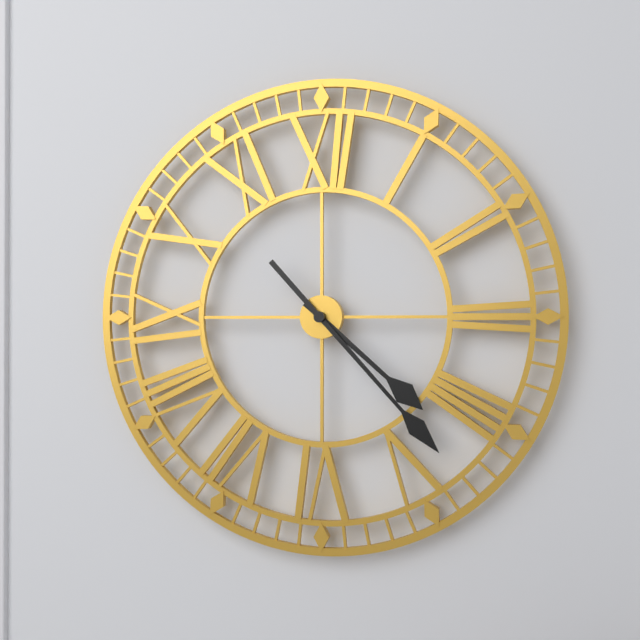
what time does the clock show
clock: 4:23
